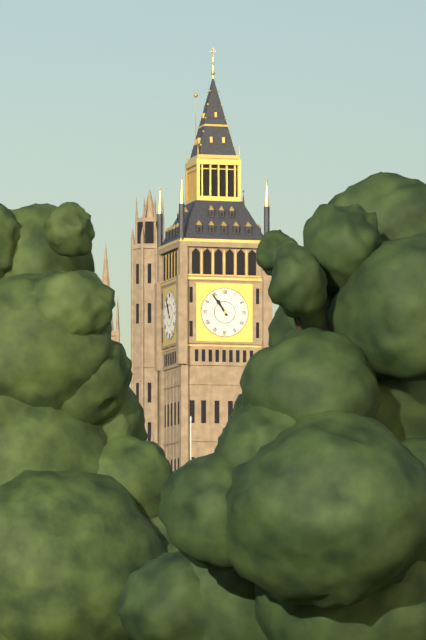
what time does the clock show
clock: 10:54
